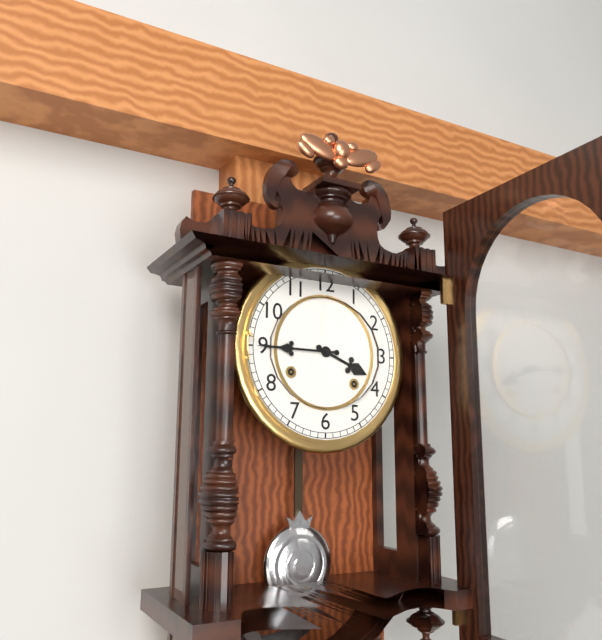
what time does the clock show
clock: 3:45
